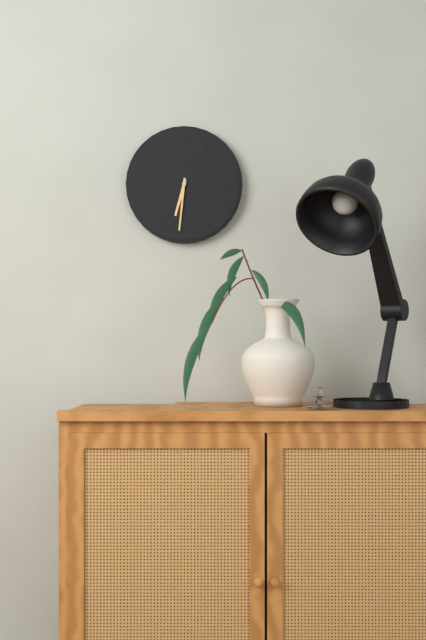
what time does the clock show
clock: 6:31
